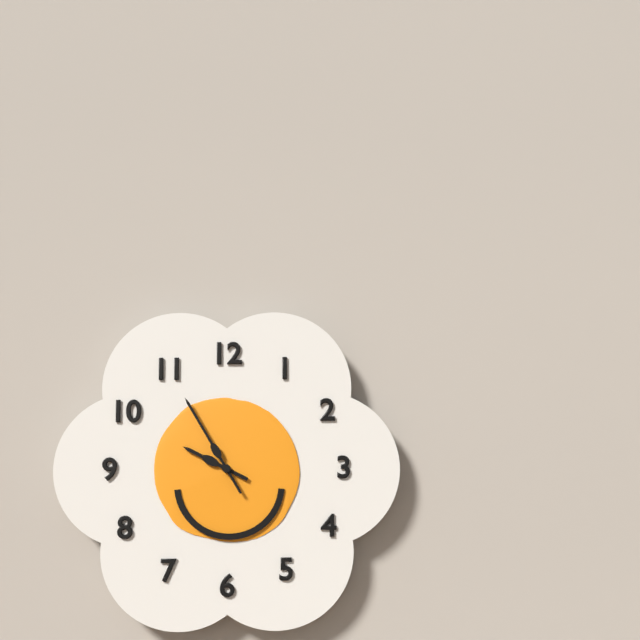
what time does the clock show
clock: 9:55
